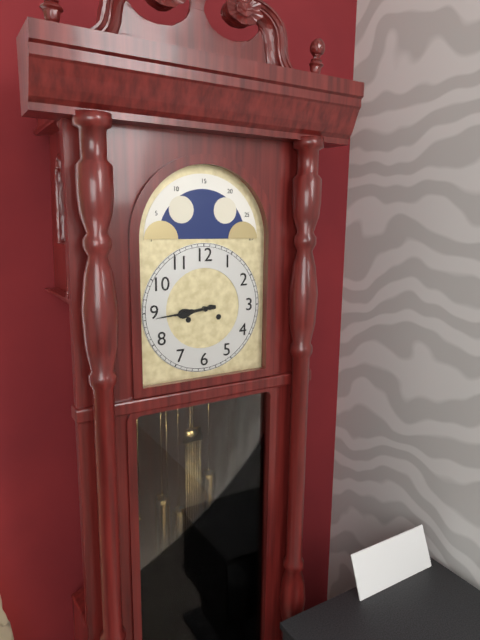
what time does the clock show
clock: 8:44
